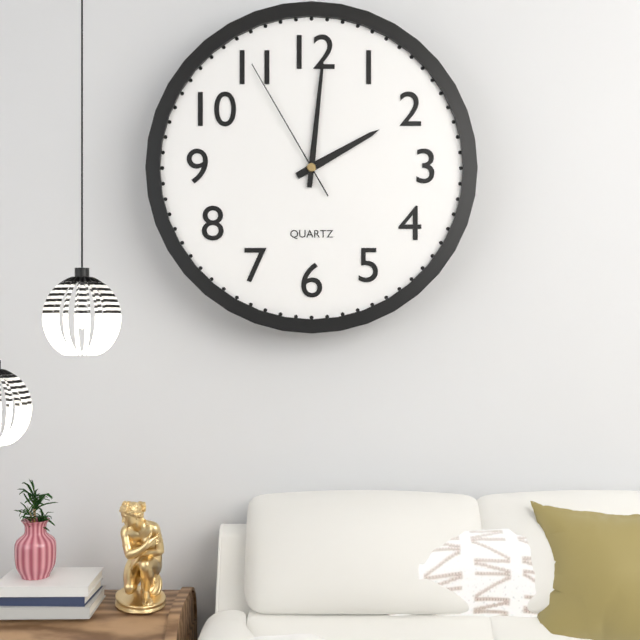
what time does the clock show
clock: 2:01:55
